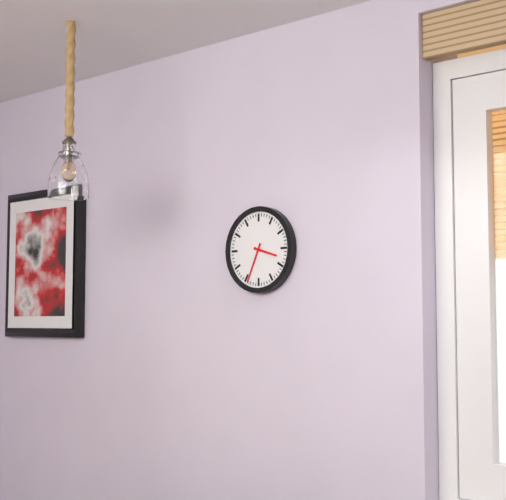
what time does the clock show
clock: 3:34
